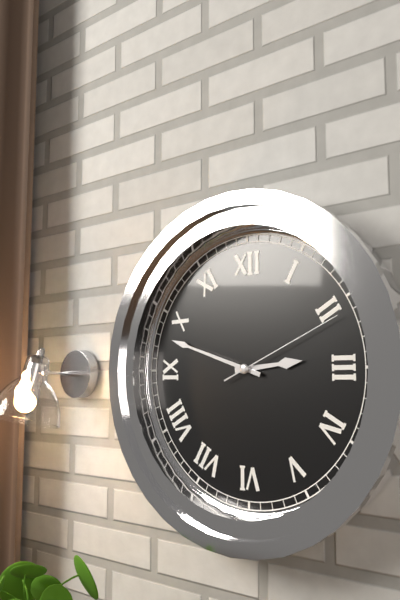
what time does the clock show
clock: 2:48:11
